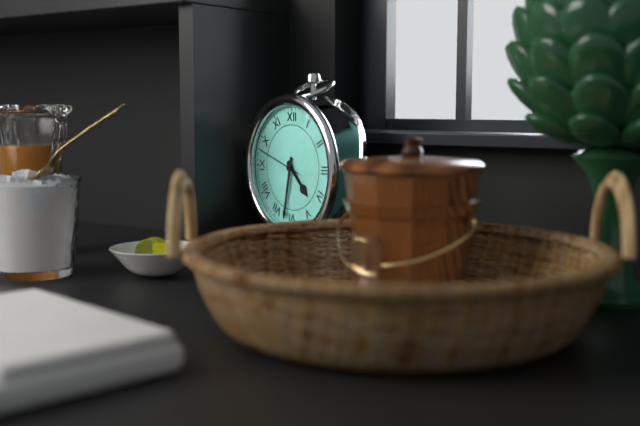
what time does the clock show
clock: 4:32
